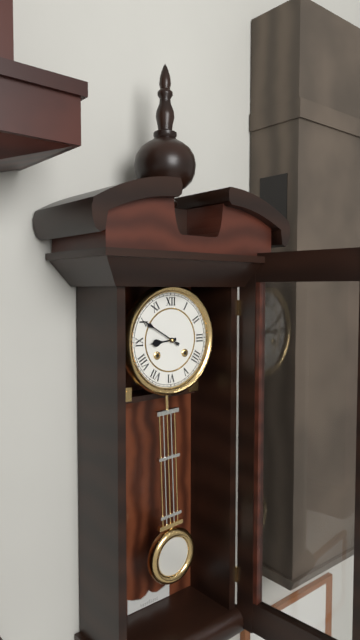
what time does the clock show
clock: 8:50
